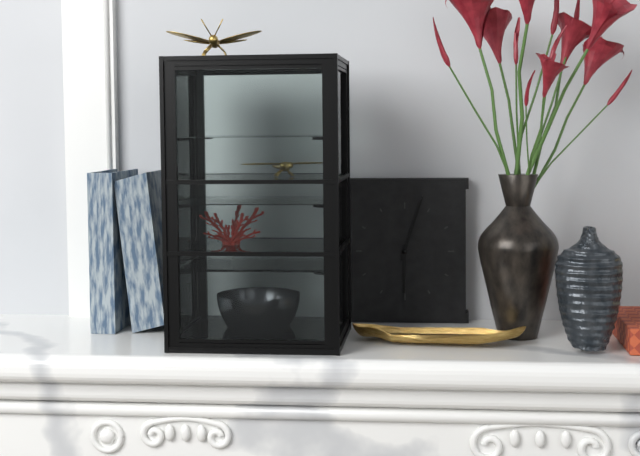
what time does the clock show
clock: 6:03
